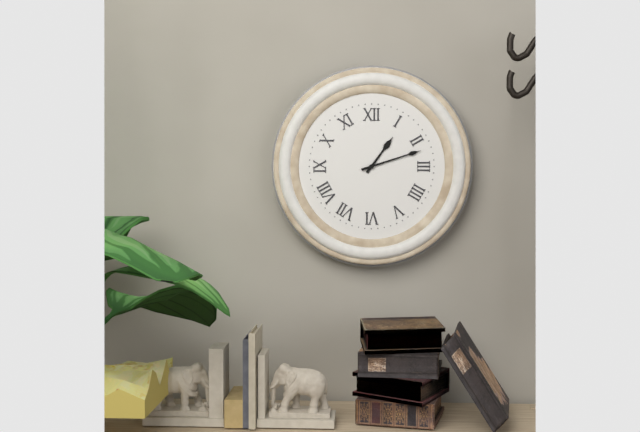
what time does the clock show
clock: 1:12
